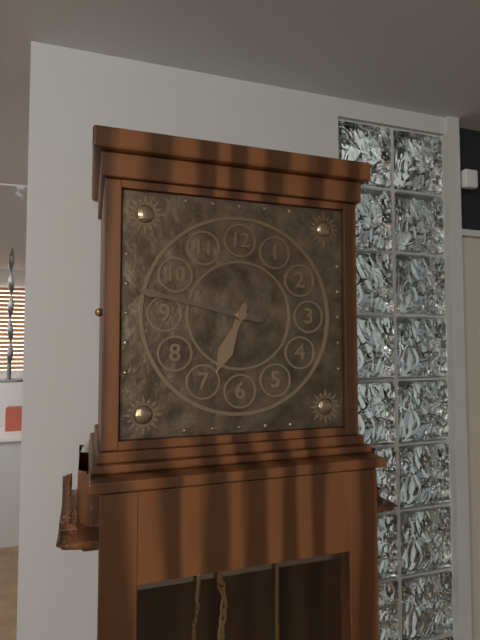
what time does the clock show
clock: 6:47
